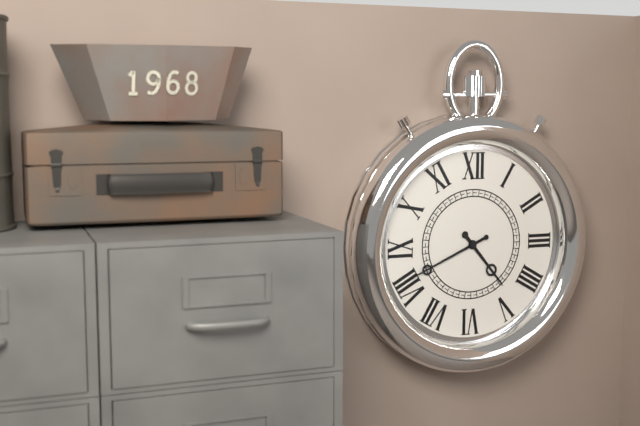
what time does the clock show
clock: 4:41
